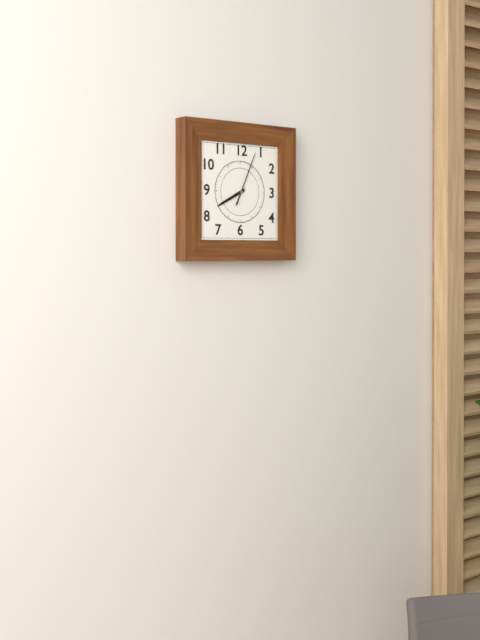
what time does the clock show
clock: 8:04
